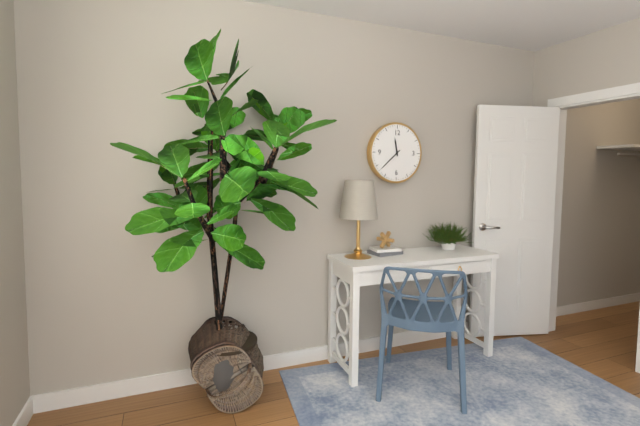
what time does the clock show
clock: 11:38
